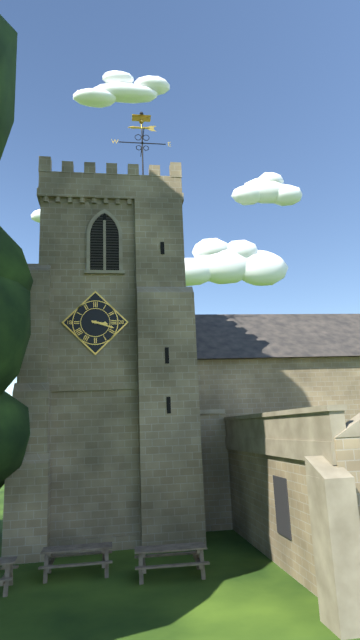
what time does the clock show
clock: 3:18
